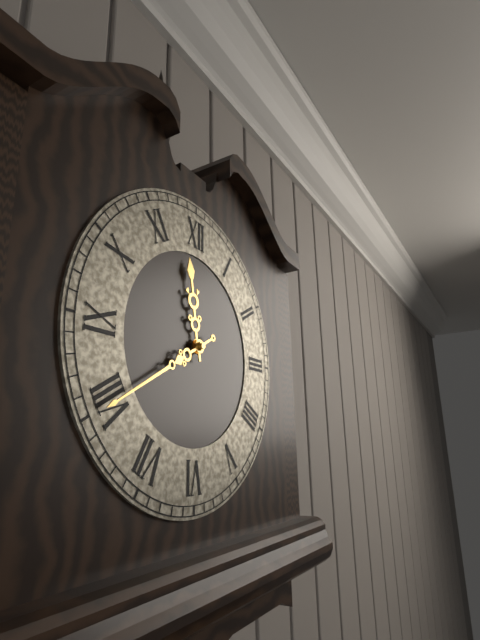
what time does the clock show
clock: 11:40
